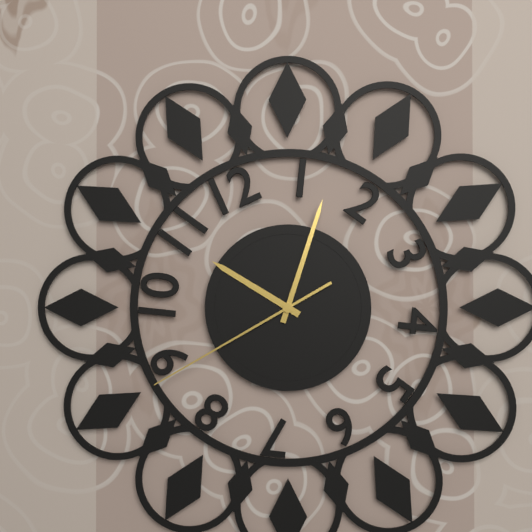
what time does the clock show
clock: 10:03:40
